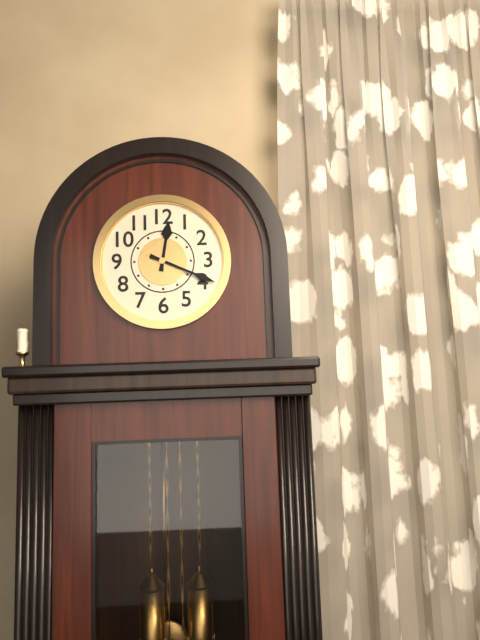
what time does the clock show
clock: 12:19
